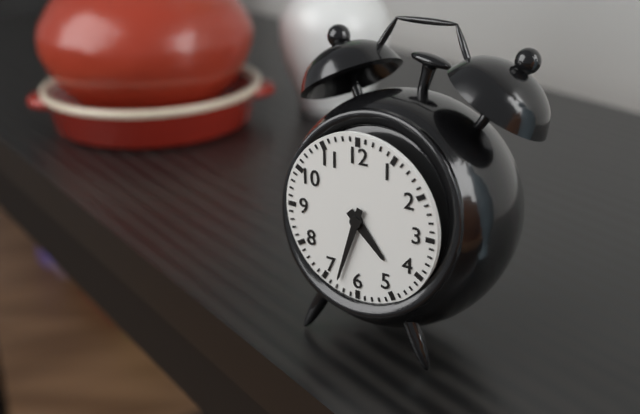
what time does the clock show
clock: 4:33
